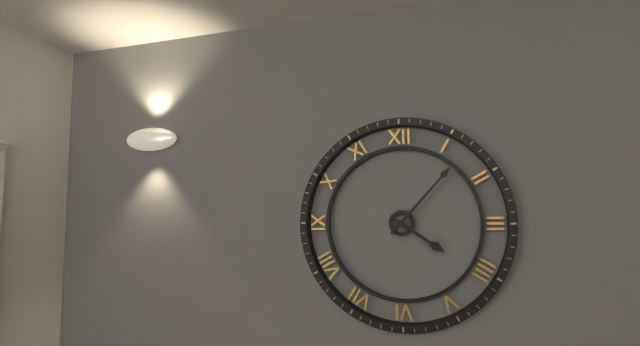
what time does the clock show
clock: 4:07
